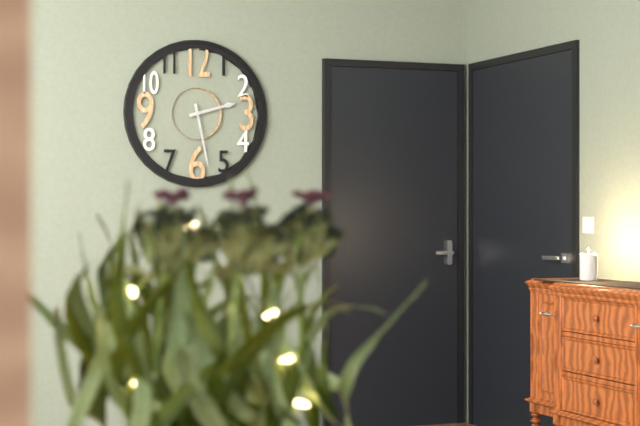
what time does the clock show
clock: 2:28
